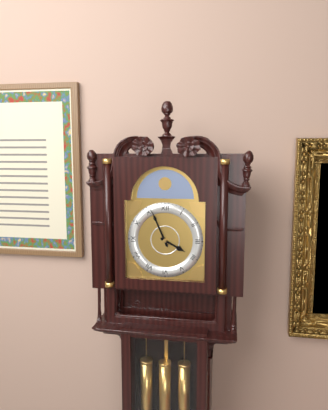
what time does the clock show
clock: 3:56
